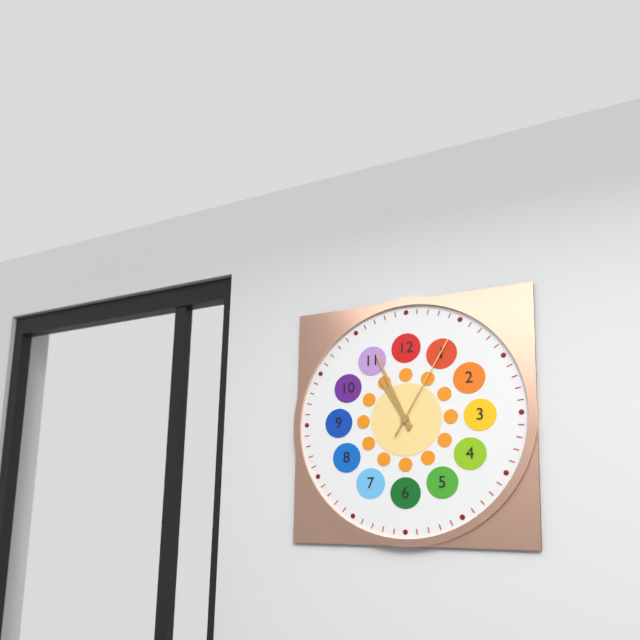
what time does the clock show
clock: 10:56:05
